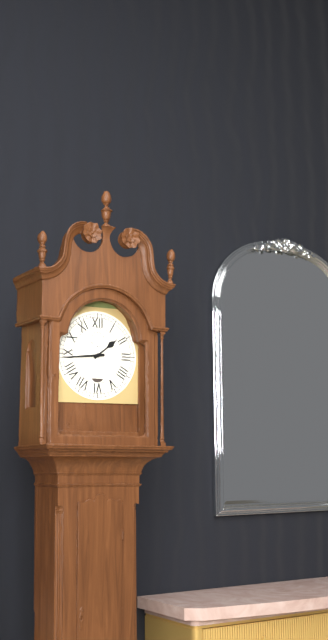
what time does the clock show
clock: 1:44
